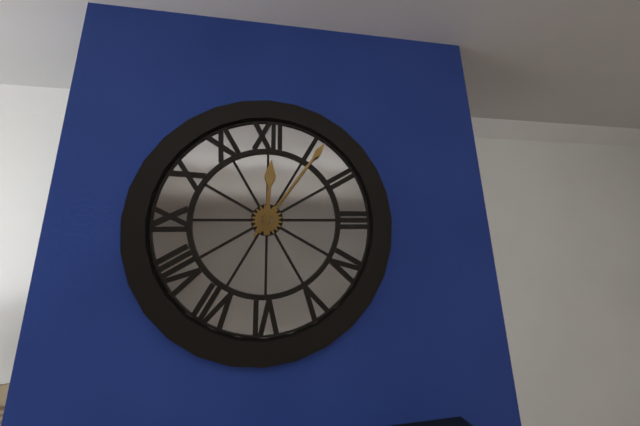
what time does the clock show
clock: 12:06
